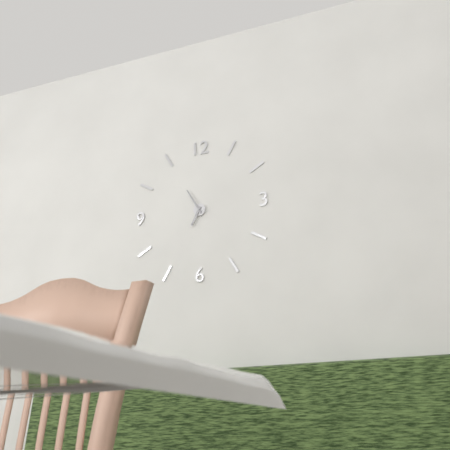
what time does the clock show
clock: 6:55
